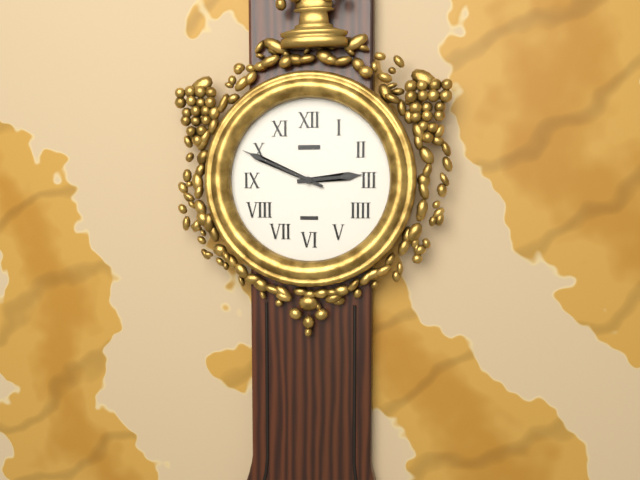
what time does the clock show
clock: 2:49
